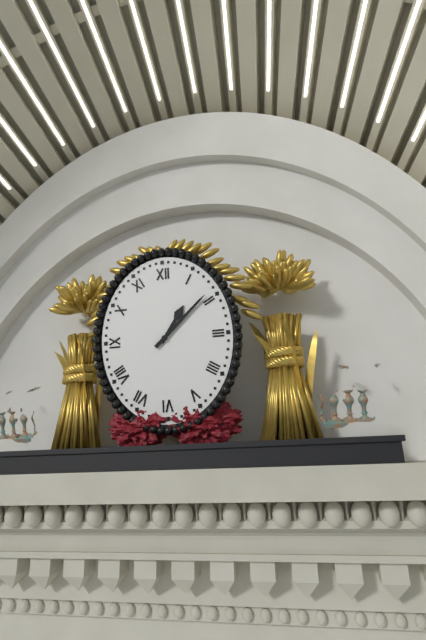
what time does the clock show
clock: 1:08
